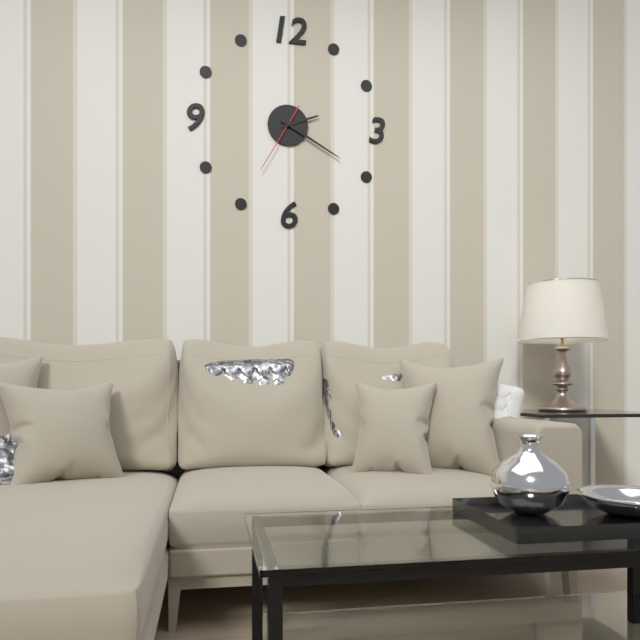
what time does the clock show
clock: 2:20:35
